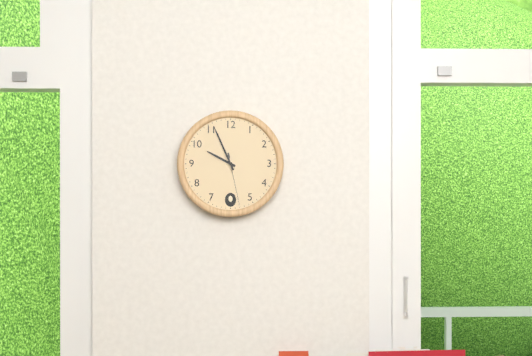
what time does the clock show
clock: 9:56:28
